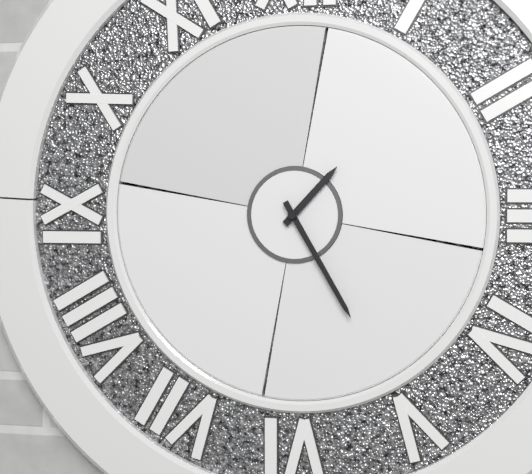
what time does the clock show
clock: 1:25
